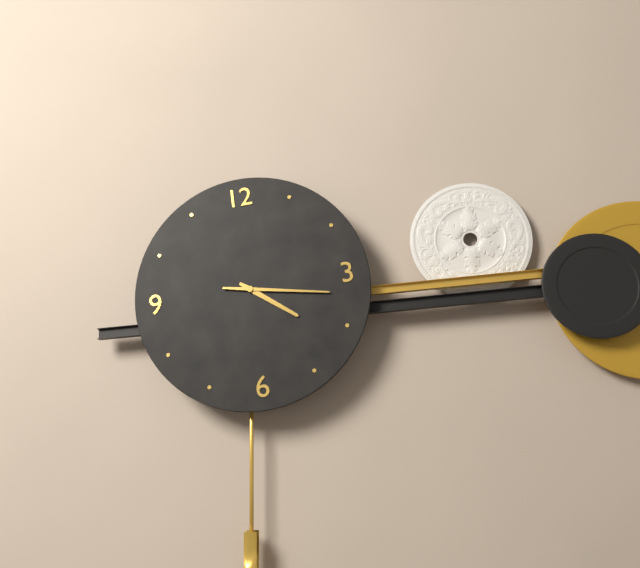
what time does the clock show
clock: 4:17
